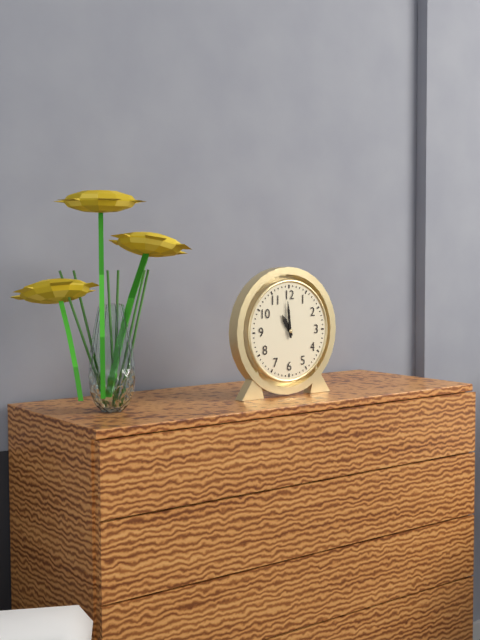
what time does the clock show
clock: 10:59
